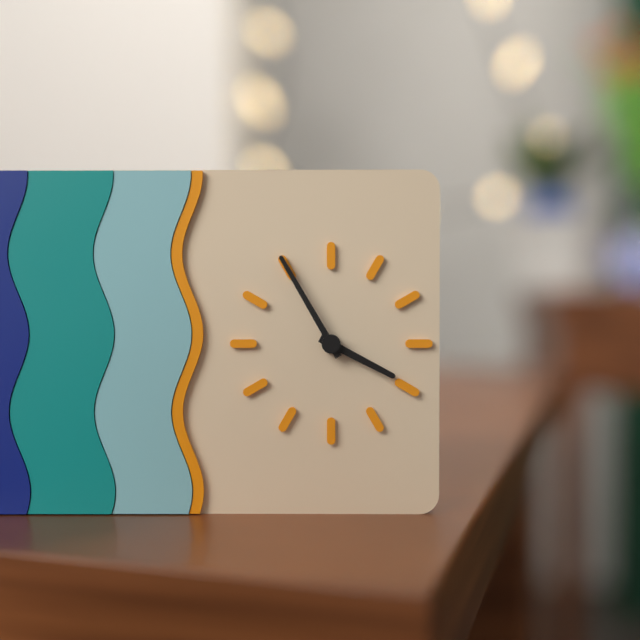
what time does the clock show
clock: 3:55
